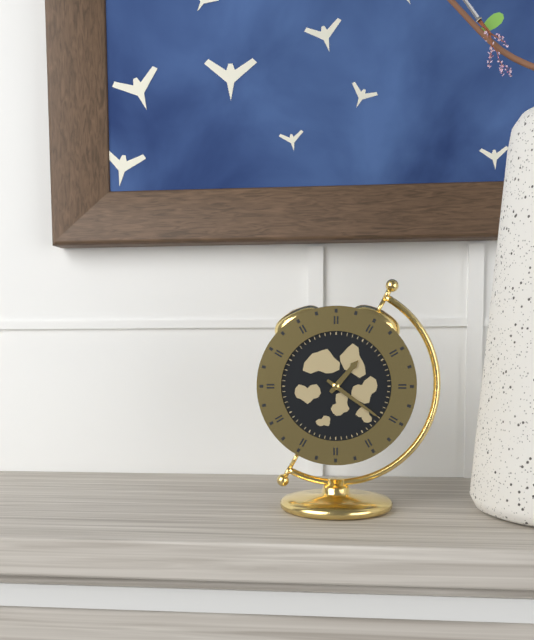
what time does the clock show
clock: 1:21
